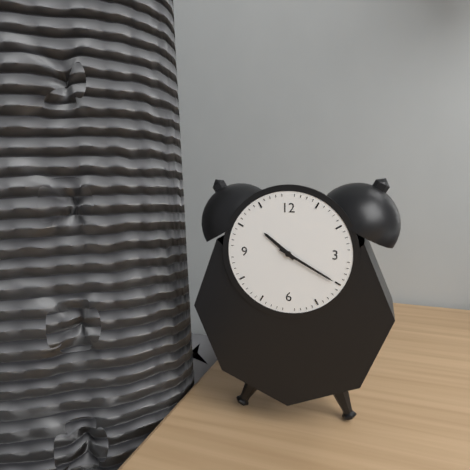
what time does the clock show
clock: 10:20
